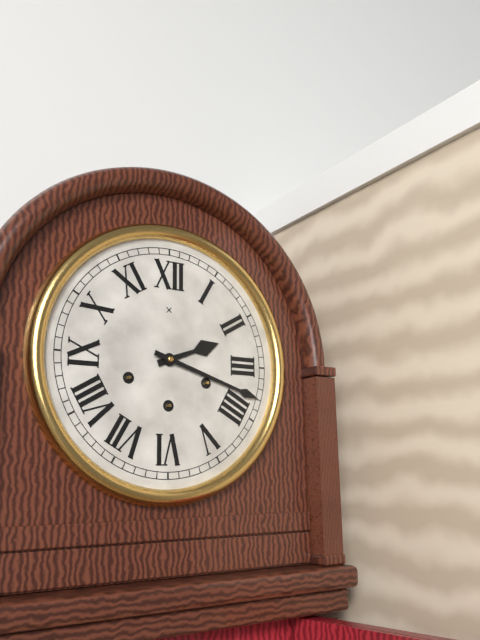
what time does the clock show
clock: 2:18
